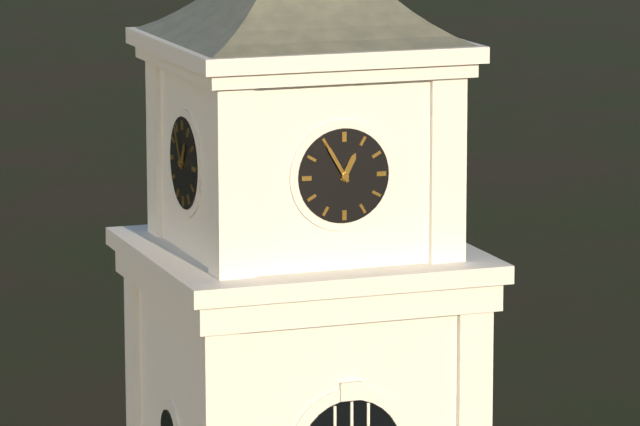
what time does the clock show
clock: 12:55
